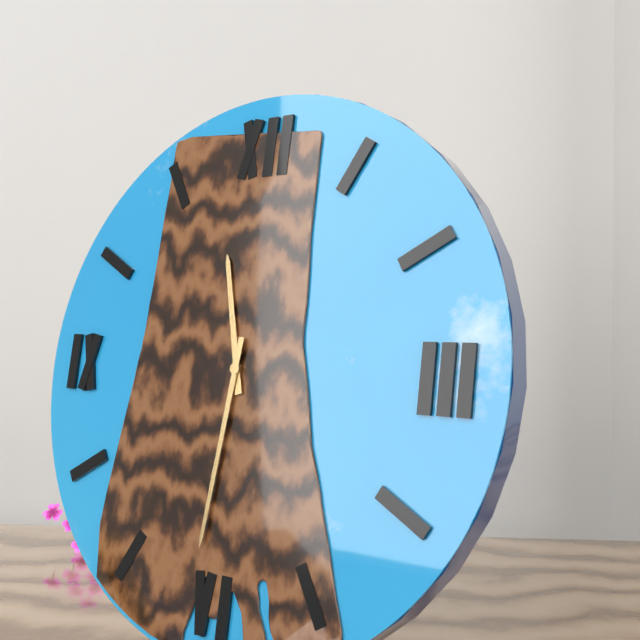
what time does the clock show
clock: 11:31
